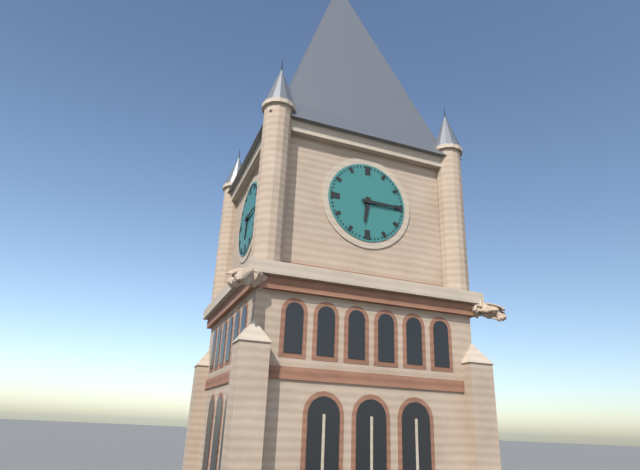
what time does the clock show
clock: 6:15
